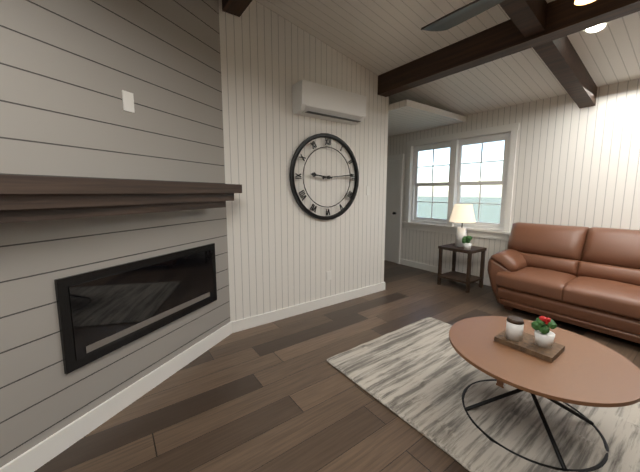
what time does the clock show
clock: 9:14
